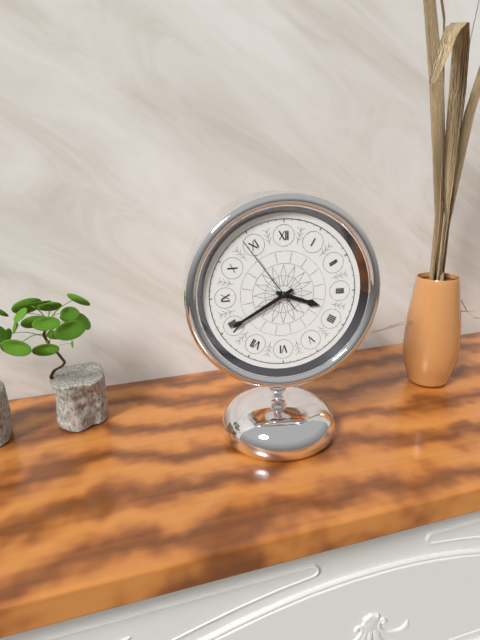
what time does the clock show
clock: 3:40:54
